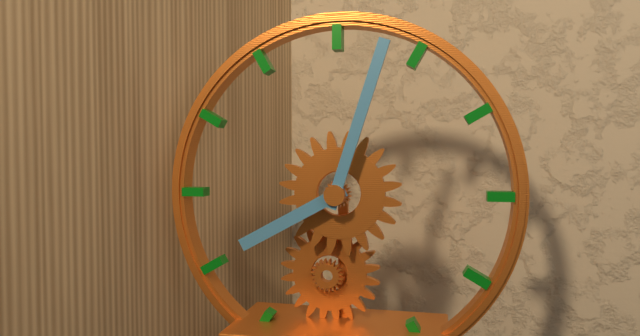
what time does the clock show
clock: 8:03
